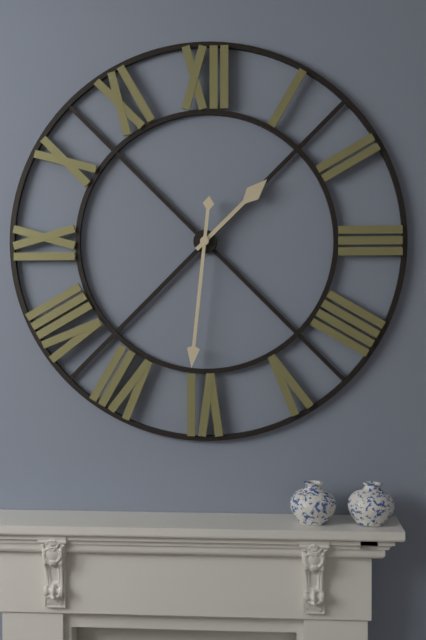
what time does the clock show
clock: 1:31
